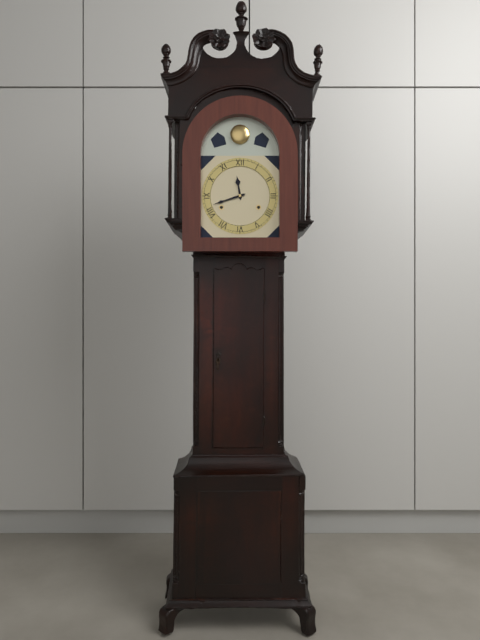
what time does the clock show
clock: 11:42
